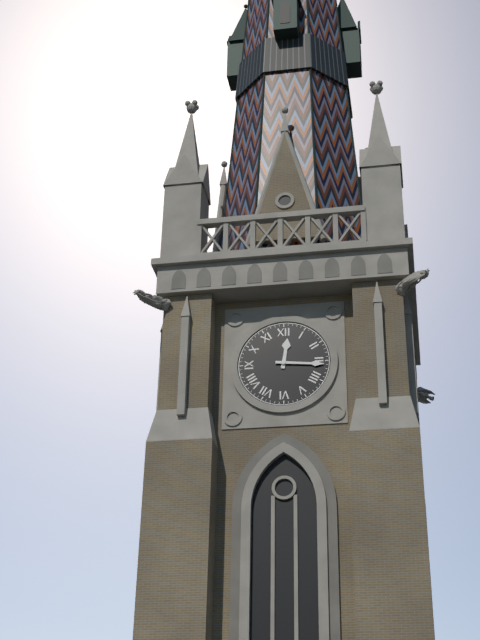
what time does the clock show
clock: 12:16
